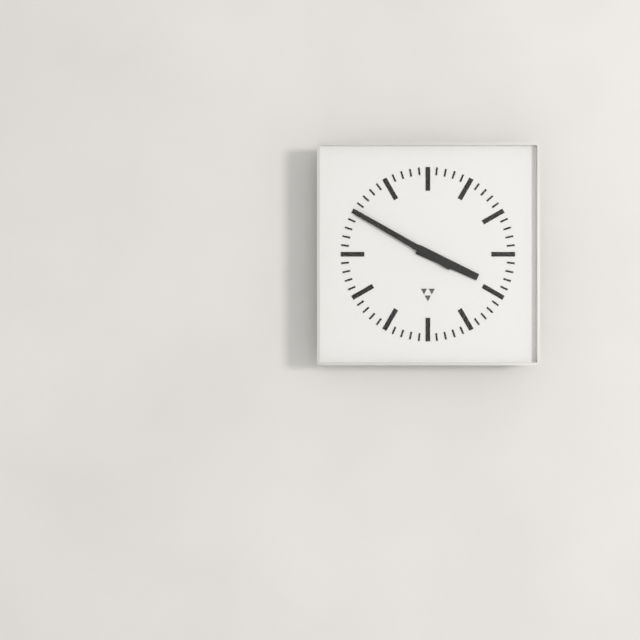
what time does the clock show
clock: 3:50
